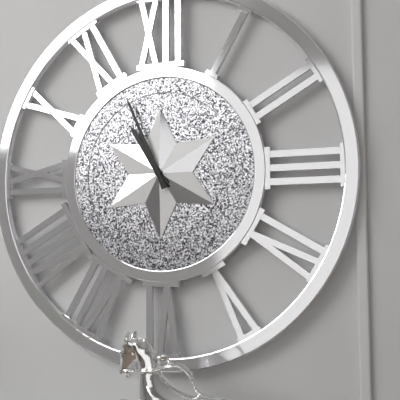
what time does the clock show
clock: 10:56
